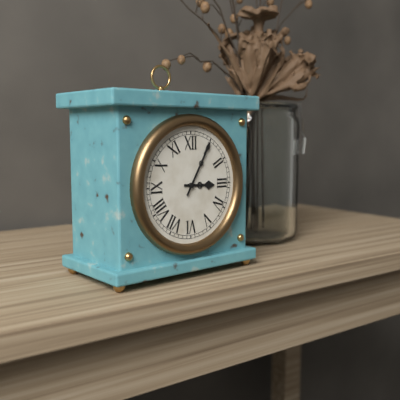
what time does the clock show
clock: 3:05
